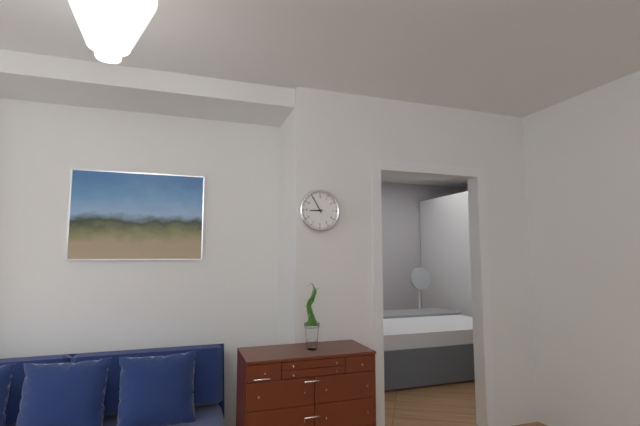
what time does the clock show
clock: 8:55
